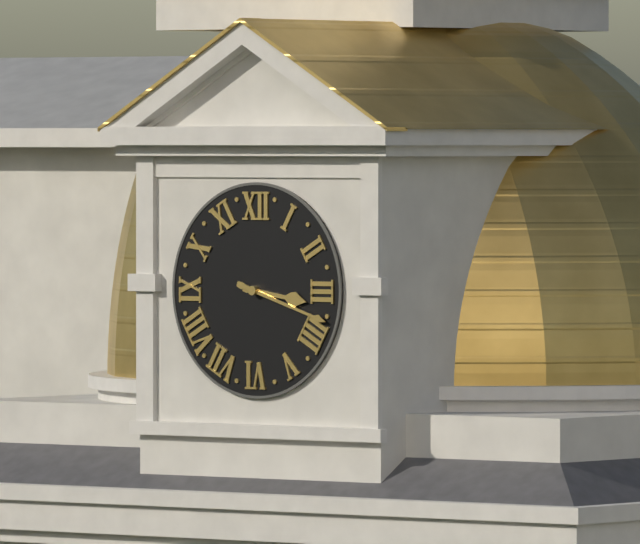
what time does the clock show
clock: 3:18
